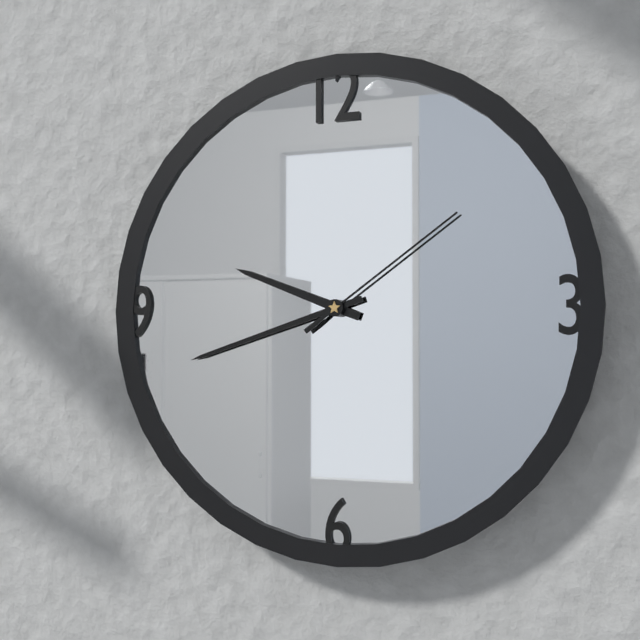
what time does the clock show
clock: 9:42:09
